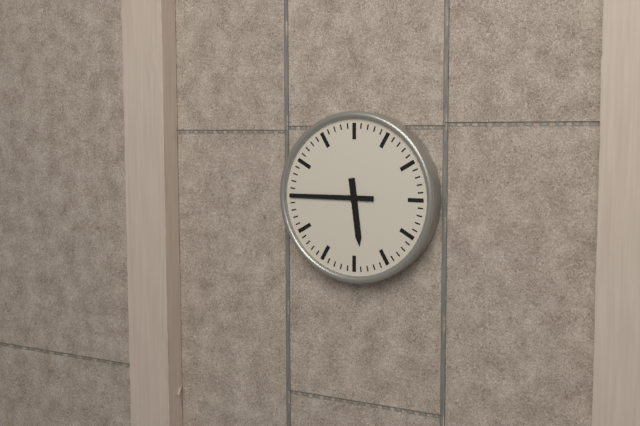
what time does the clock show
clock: 5:45
